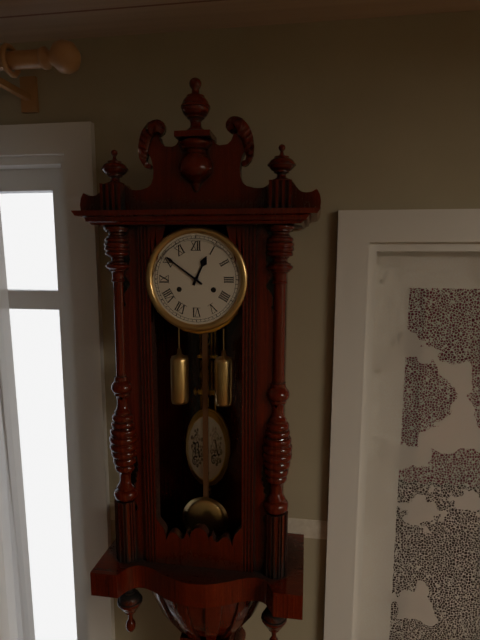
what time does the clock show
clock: 12:51
